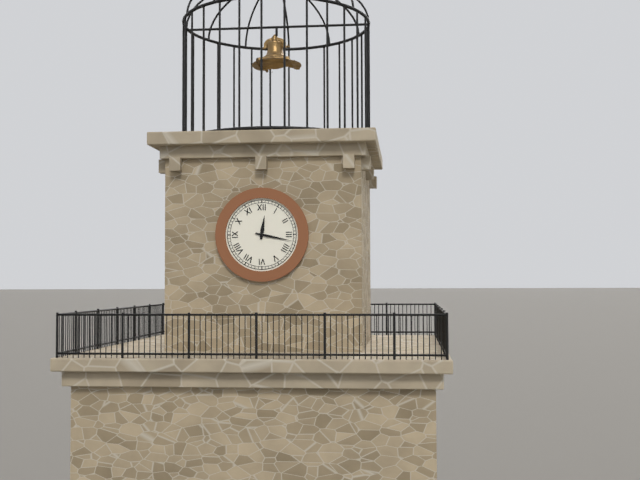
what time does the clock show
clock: 12:17
